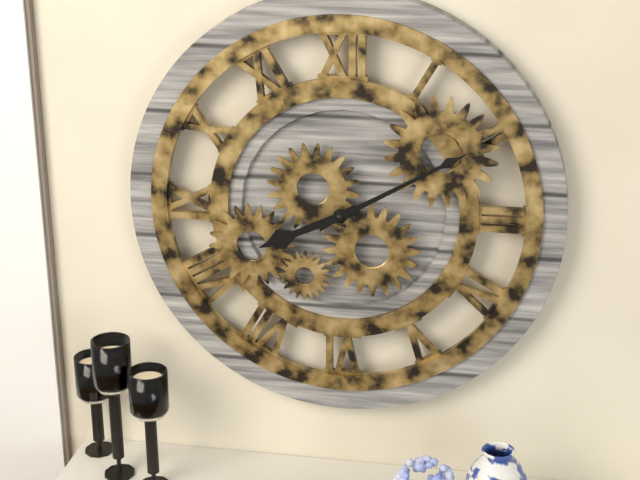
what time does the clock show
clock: 8:10
